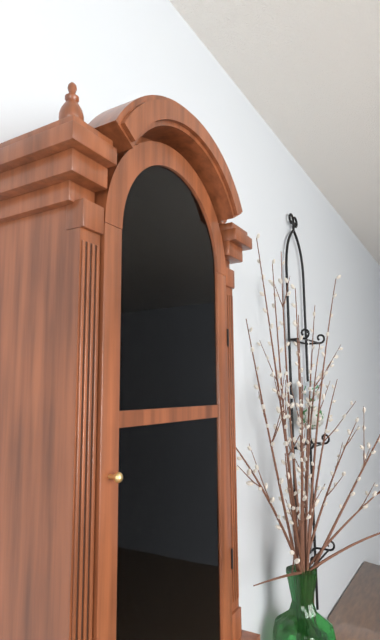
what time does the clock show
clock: 7:12
